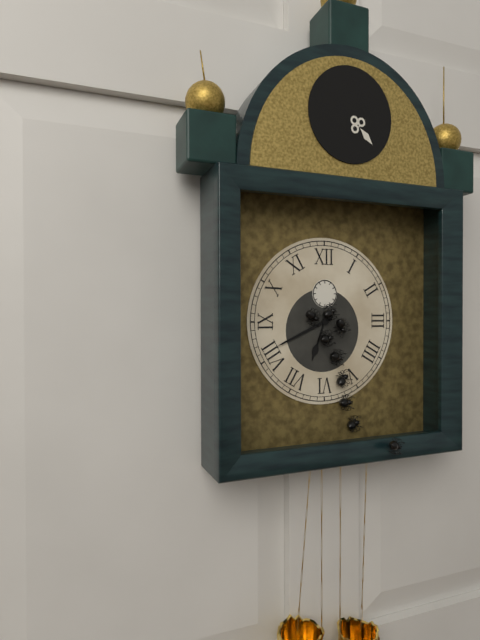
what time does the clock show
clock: 6:41
